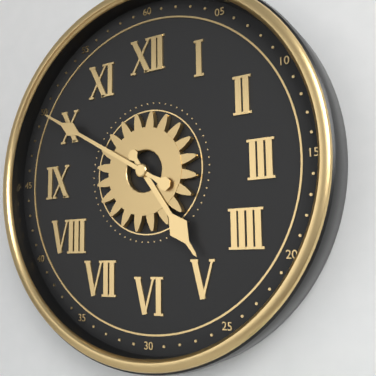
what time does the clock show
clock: 4:50
